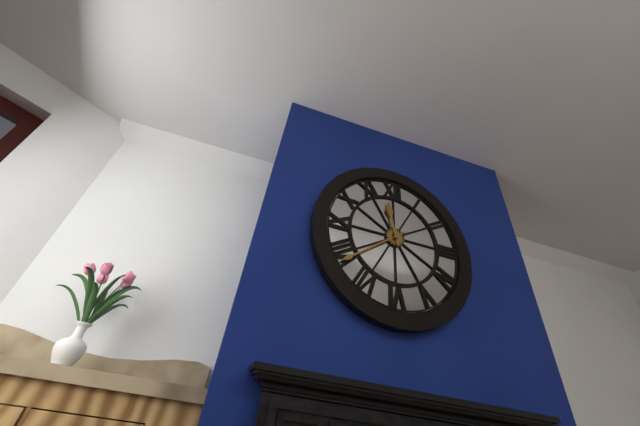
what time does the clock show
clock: 11:39
